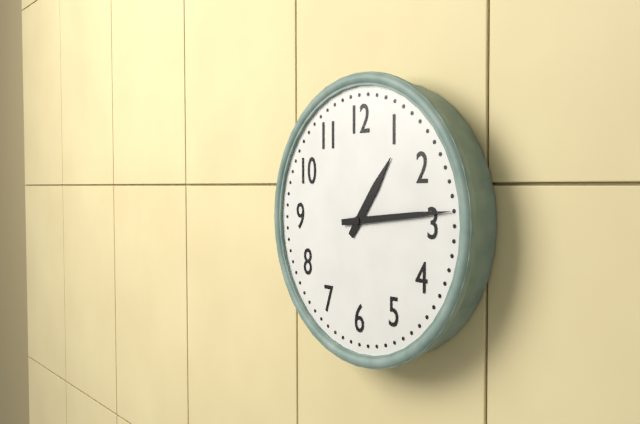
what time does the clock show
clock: 1:14
